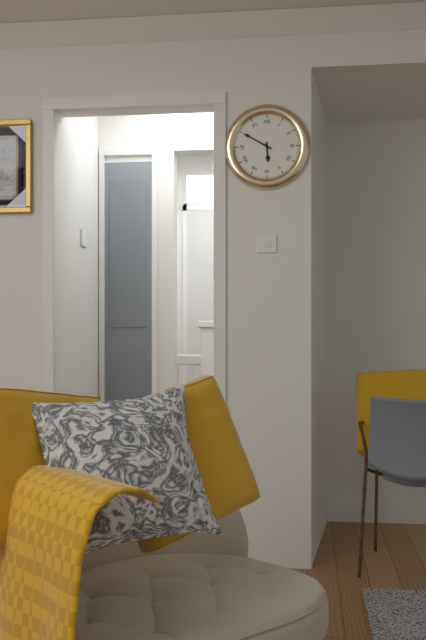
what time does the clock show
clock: 5:50
